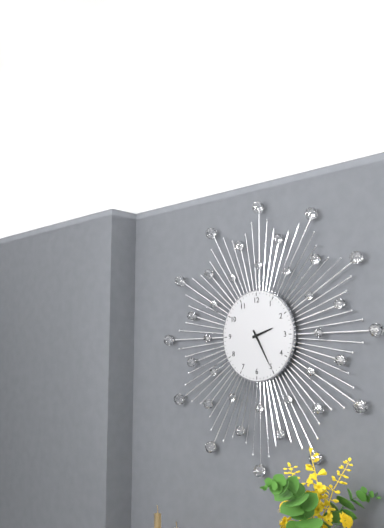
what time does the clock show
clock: 2:25
